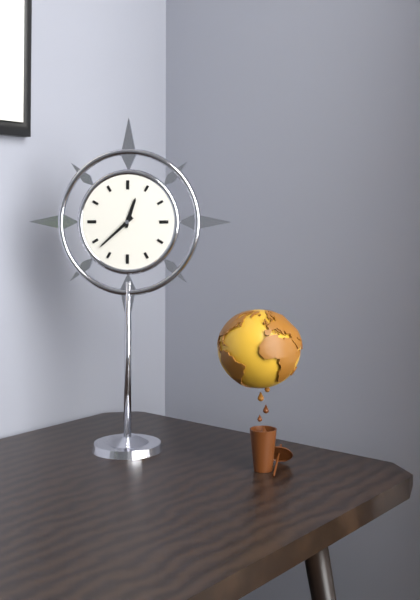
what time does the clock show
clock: 12:38
